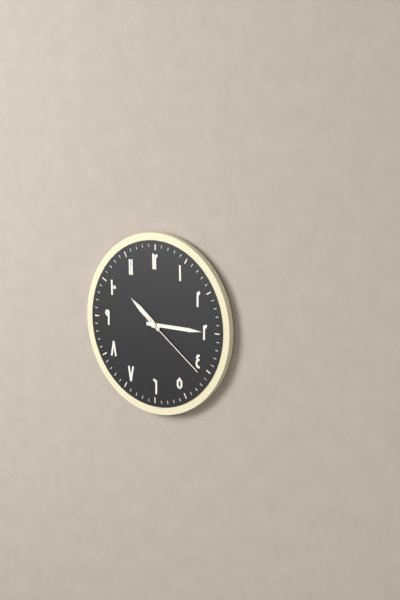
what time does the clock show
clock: 10:15:21
